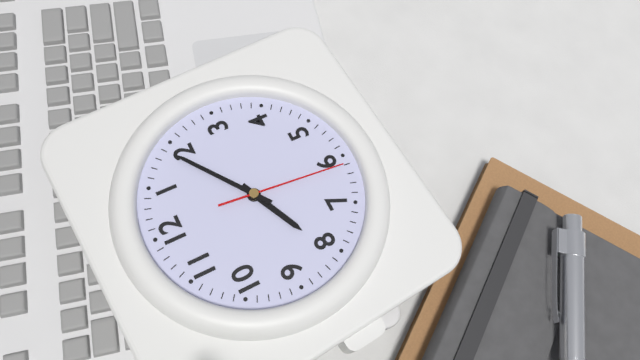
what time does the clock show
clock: 8:09:31
